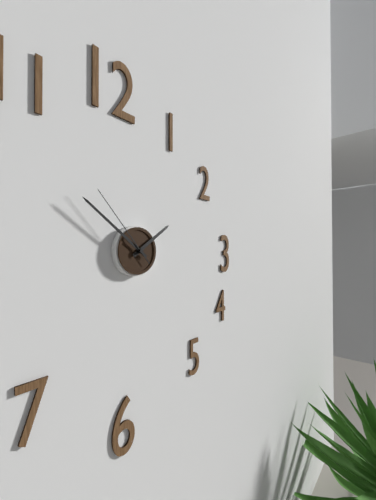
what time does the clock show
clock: 1:51:53
